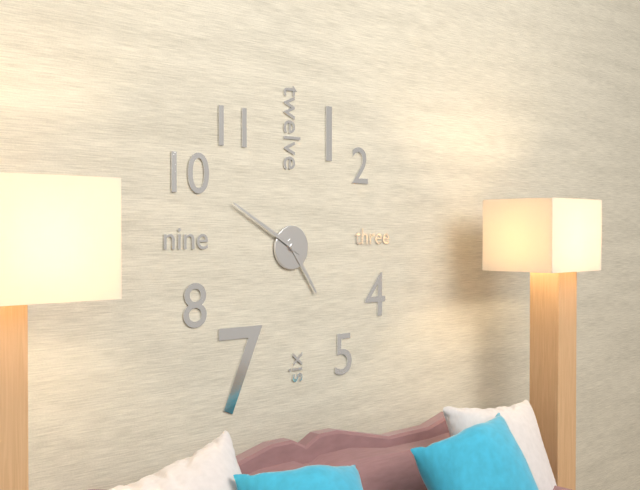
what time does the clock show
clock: 4:50
